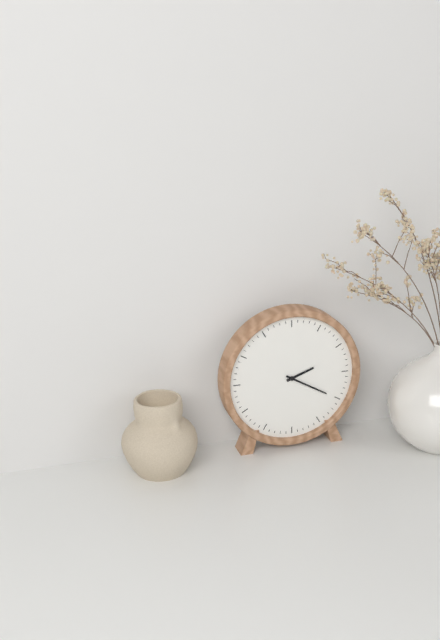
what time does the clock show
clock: 2:20
